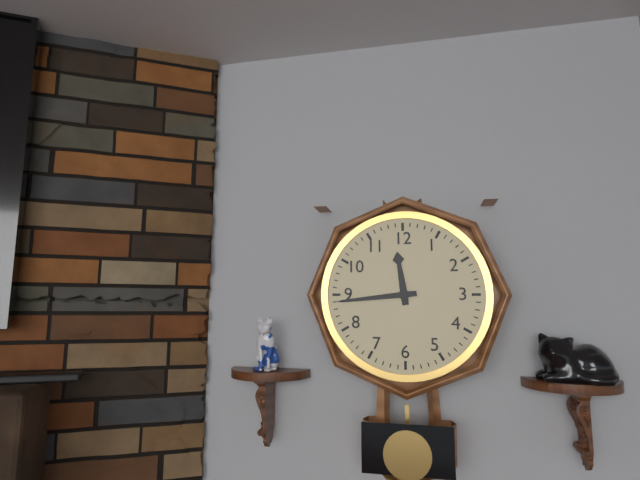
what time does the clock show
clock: 11:44
